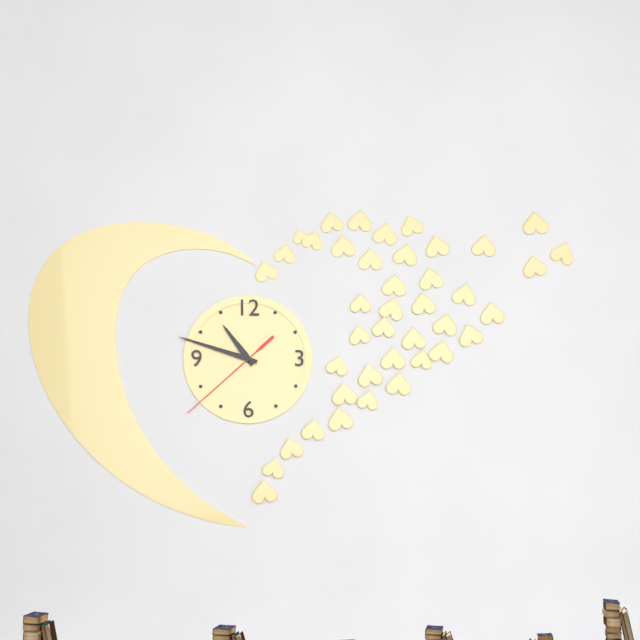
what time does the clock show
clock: 10:48:38
